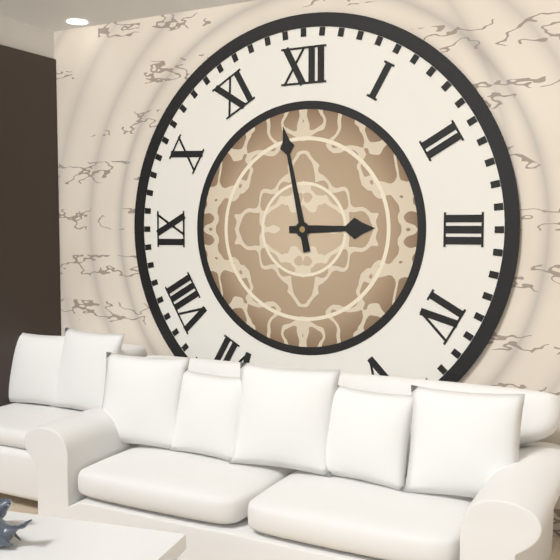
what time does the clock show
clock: 2:58
